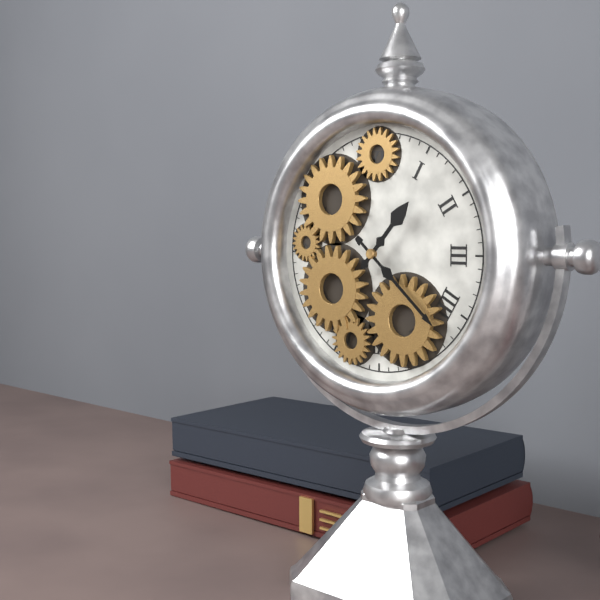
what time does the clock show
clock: 1:22
